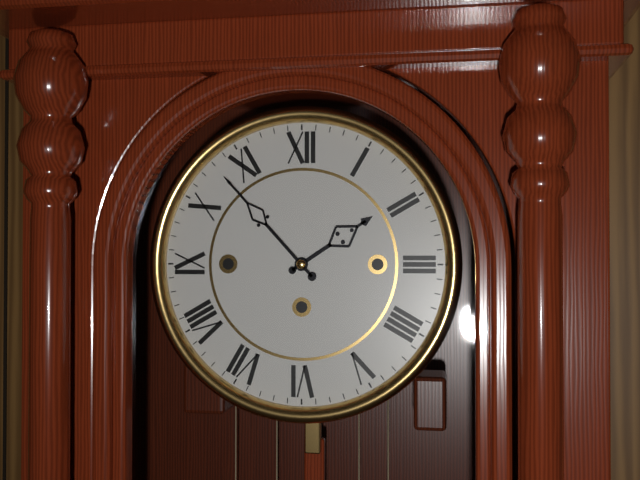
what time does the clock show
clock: 1:53
